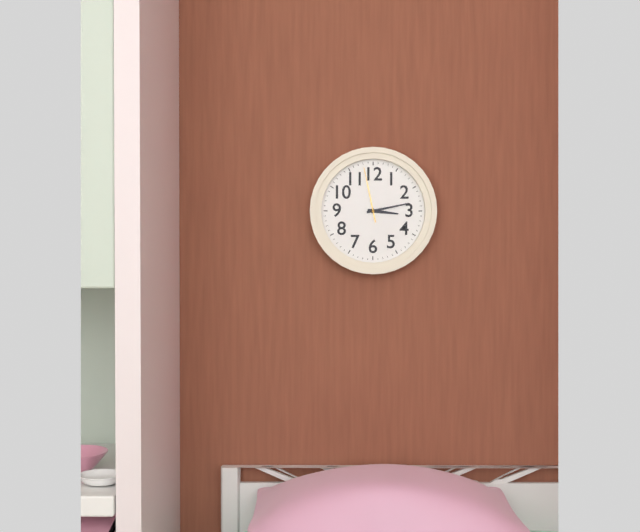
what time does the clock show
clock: 3:13:58
